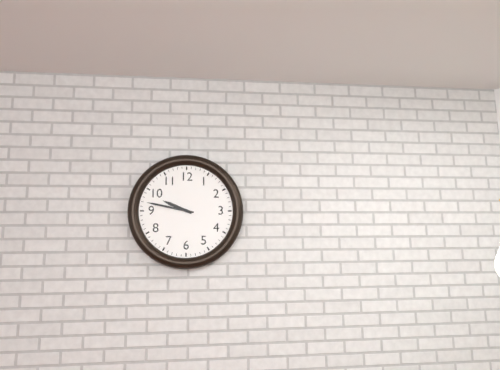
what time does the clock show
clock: 9:47
